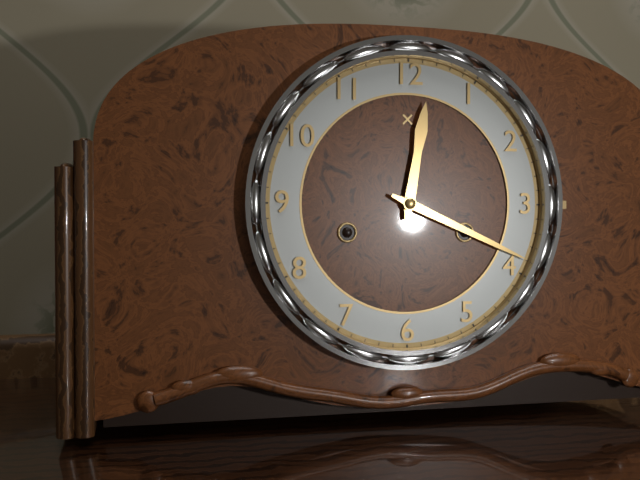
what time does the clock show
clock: 12:19
